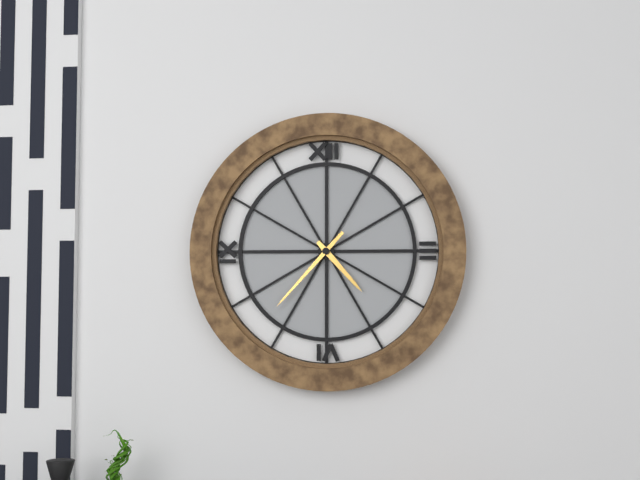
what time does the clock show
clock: 4:37
